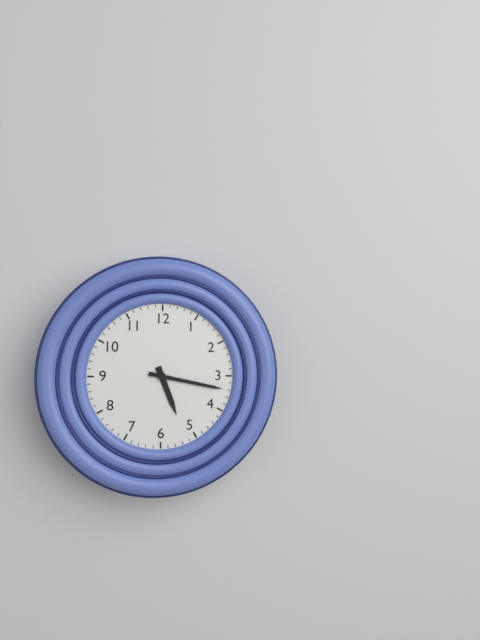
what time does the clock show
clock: 5:17
